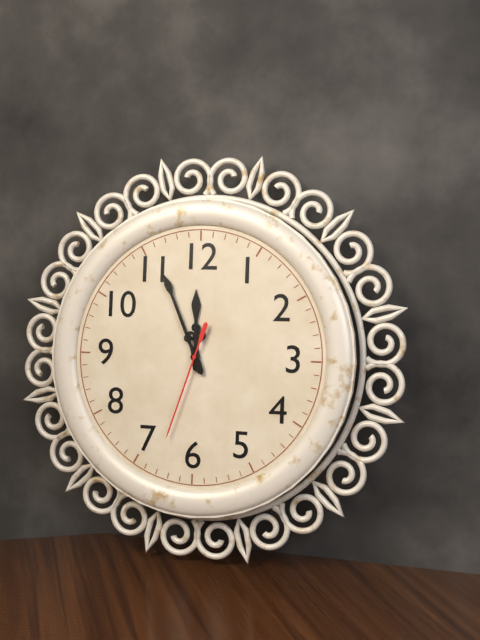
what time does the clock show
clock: 11:56:33
